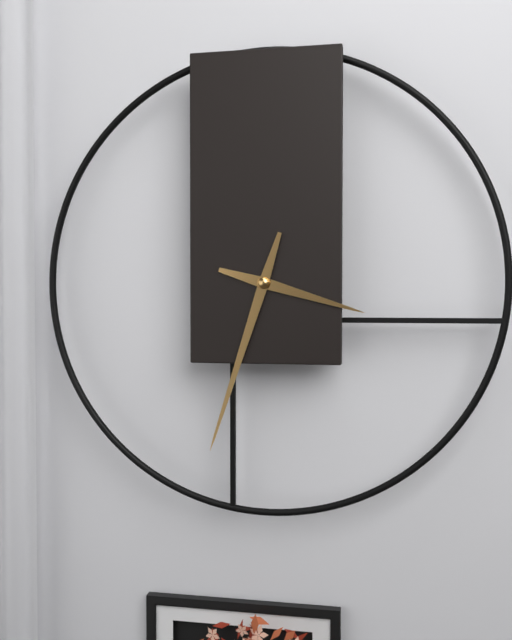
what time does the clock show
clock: 3:33
